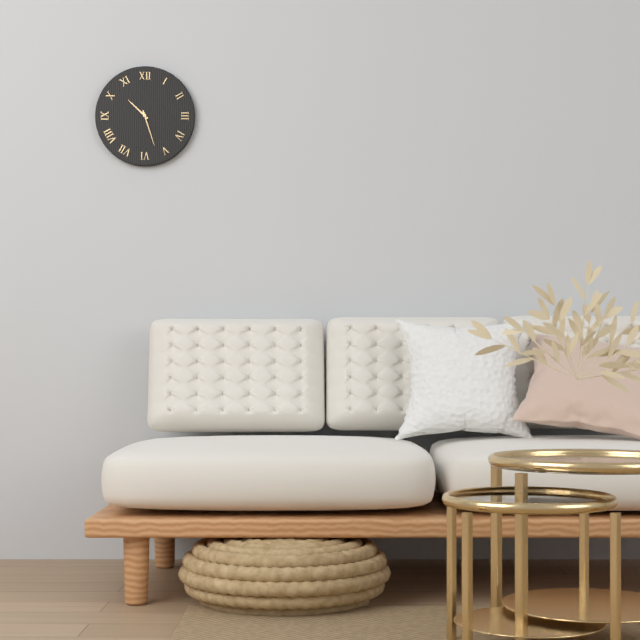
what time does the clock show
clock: 10:27
